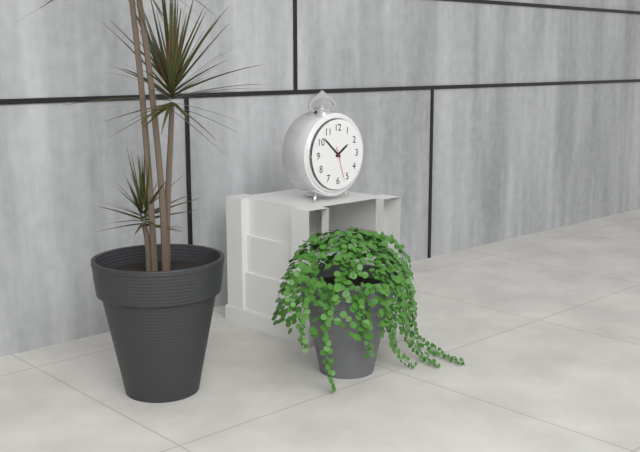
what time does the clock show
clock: 1:52
